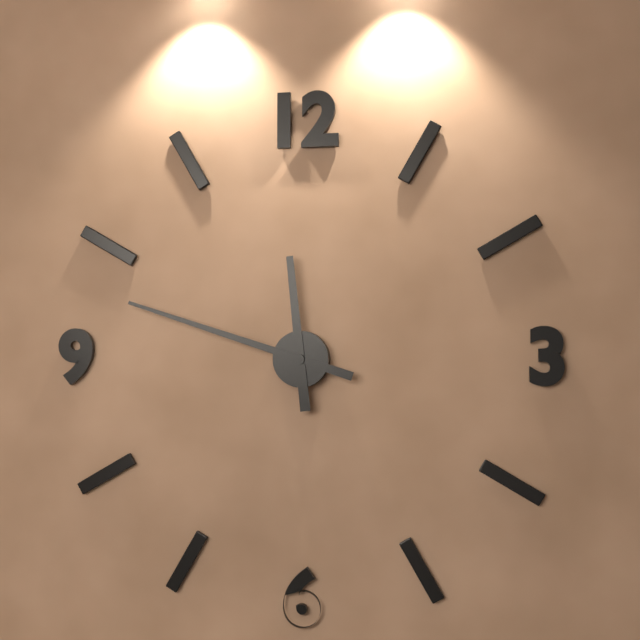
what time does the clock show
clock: 11:48
